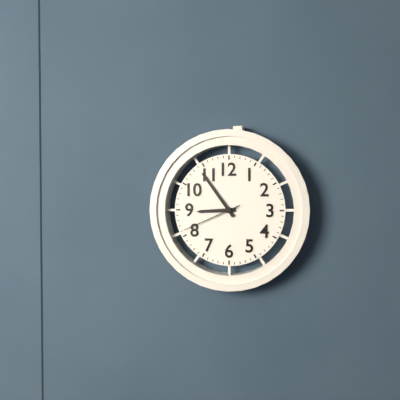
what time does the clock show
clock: 8:54:41
